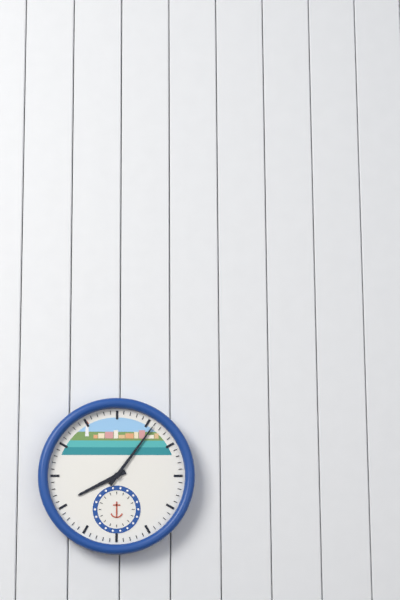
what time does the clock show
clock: 8:06
